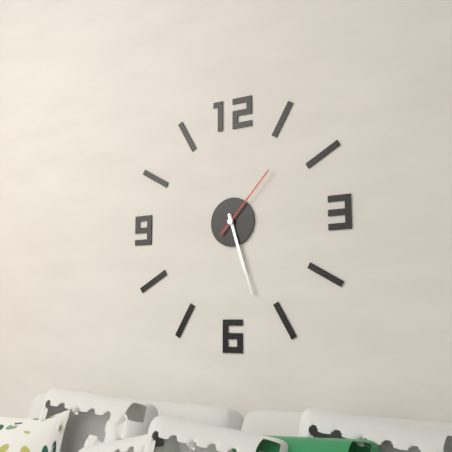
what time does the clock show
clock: 5:27:07
